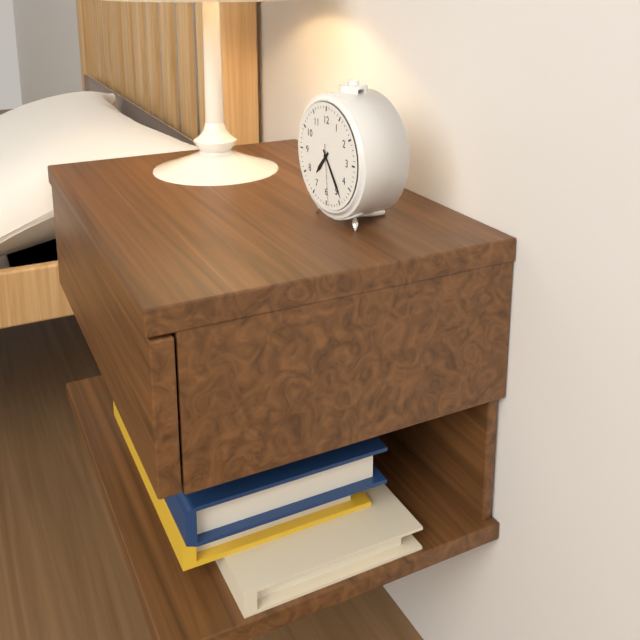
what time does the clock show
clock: 7:24:29
